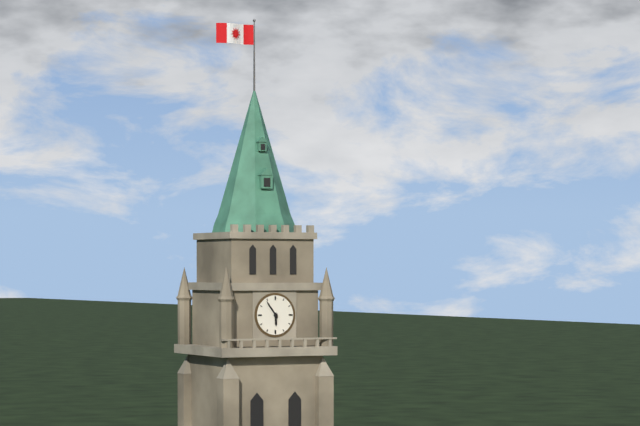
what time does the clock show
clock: 5:54
